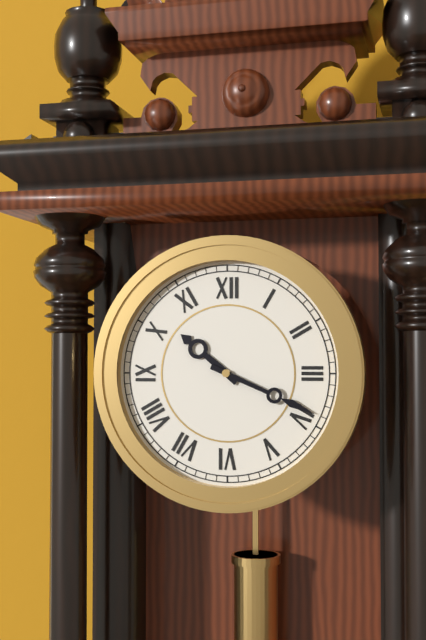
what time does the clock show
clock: 10:19
